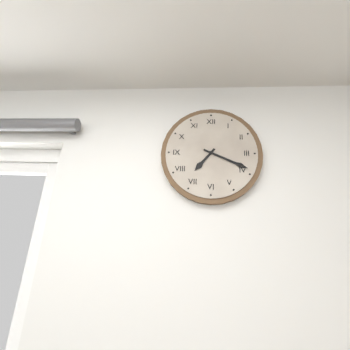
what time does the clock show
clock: 7:19
